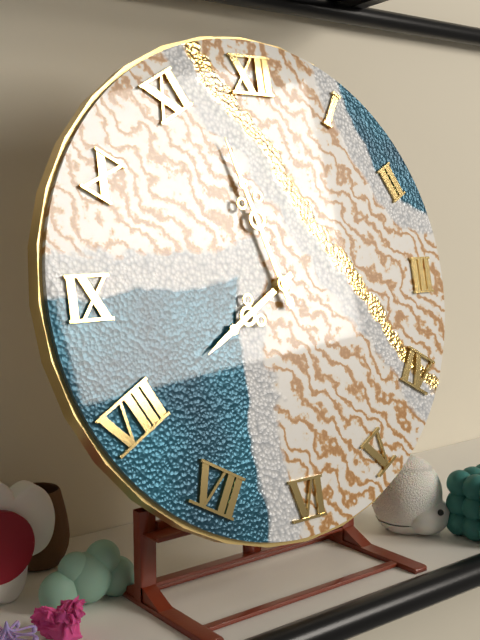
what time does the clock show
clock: 7:57
